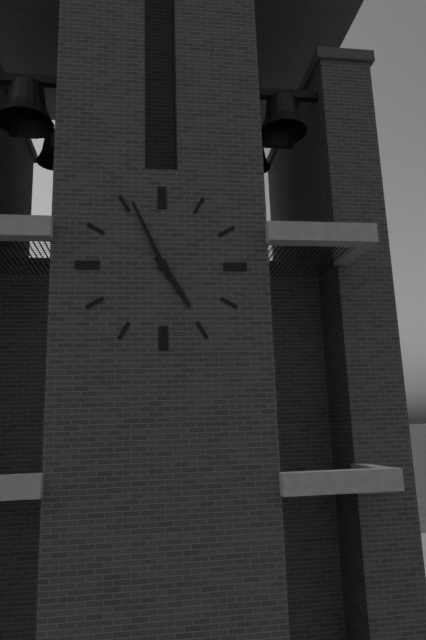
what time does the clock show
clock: 4:56
